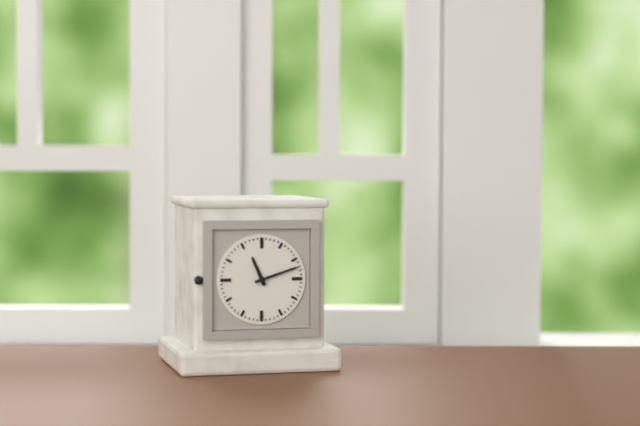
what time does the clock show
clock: 11:12
